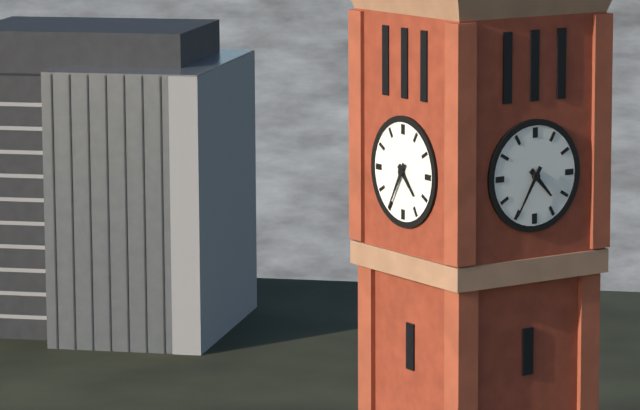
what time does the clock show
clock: 4:35
